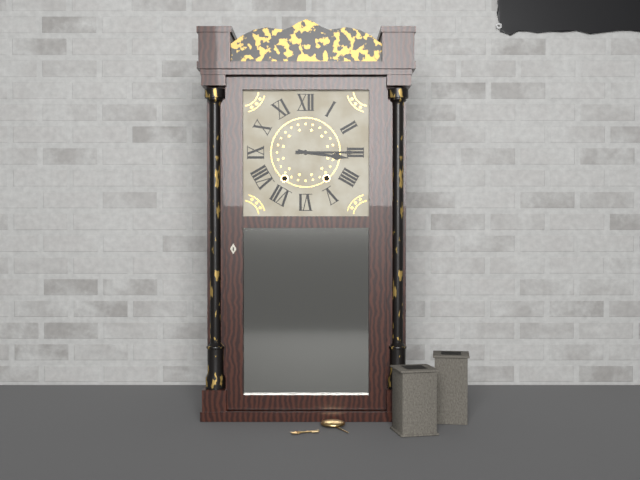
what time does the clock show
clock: 3:15
